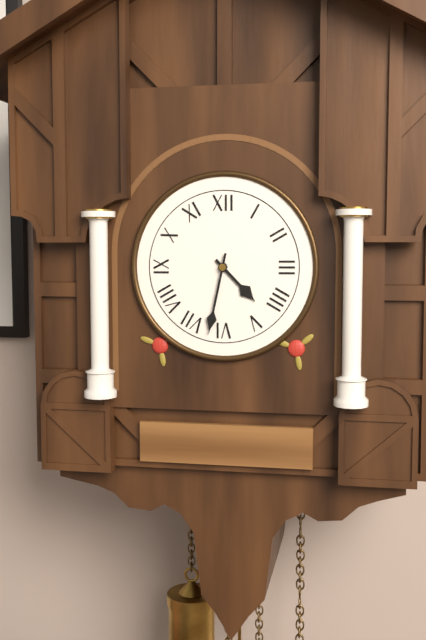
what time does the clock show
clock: 4:32
